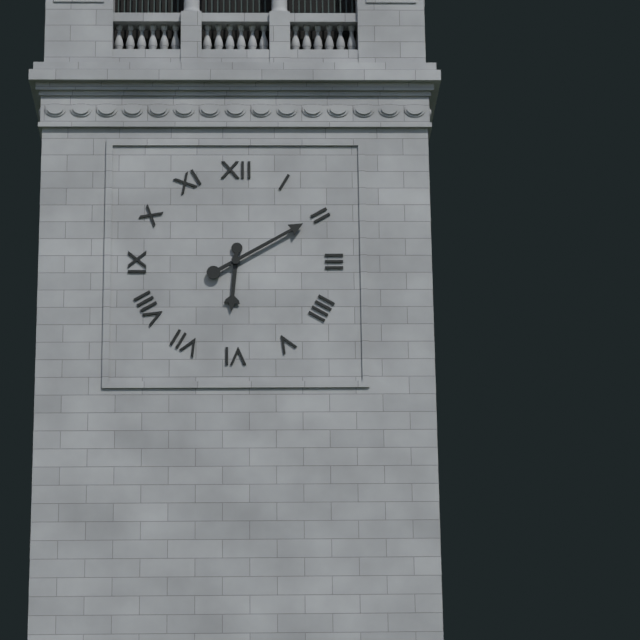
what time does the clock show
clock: 6:10
